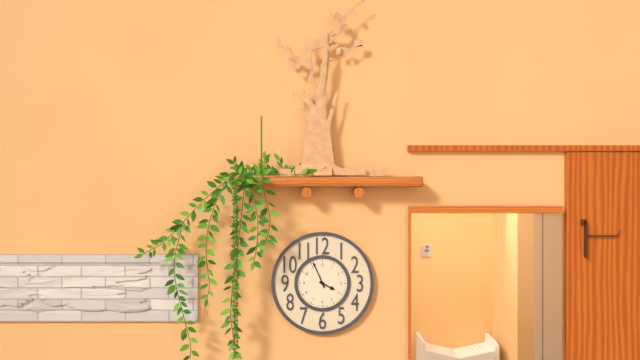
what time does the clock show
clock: 3:56
